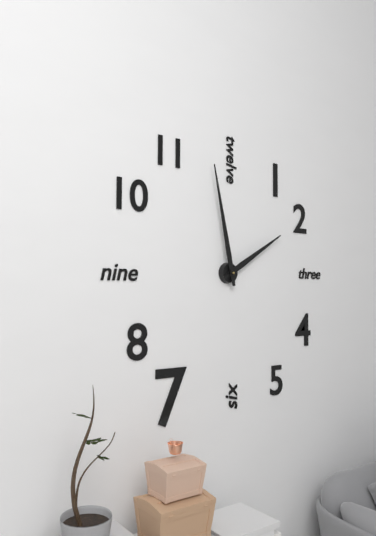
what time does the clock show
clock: 1:58
